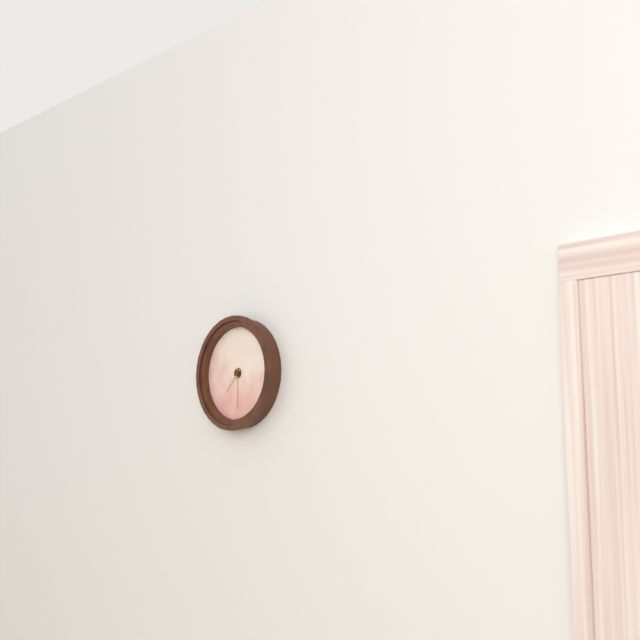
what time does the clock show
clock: 7:30
